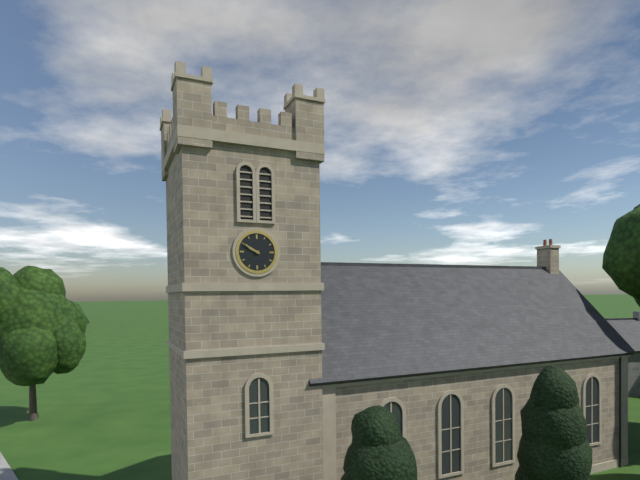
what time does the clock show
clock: 9:50
